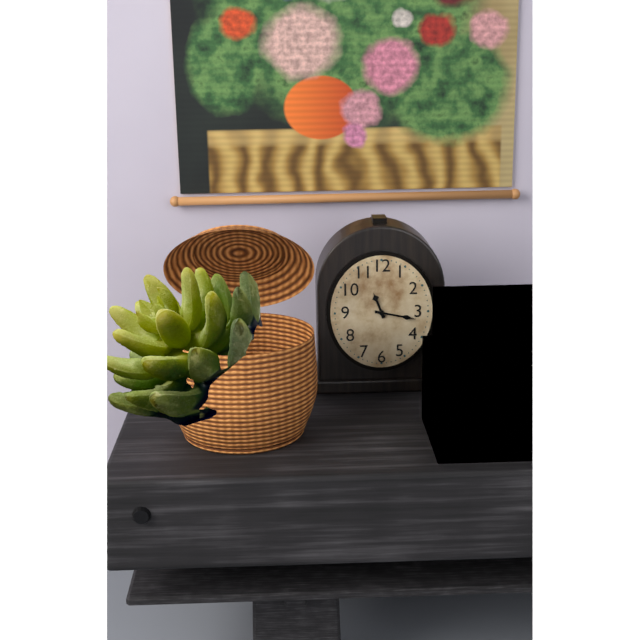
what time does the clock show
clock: 11:17
